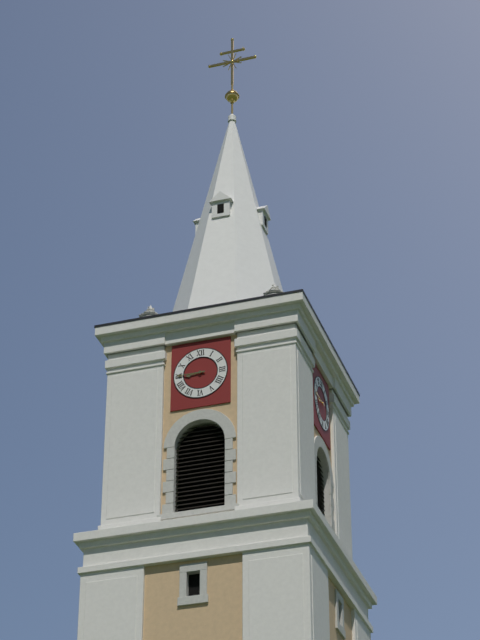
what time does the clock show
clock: 8:45
